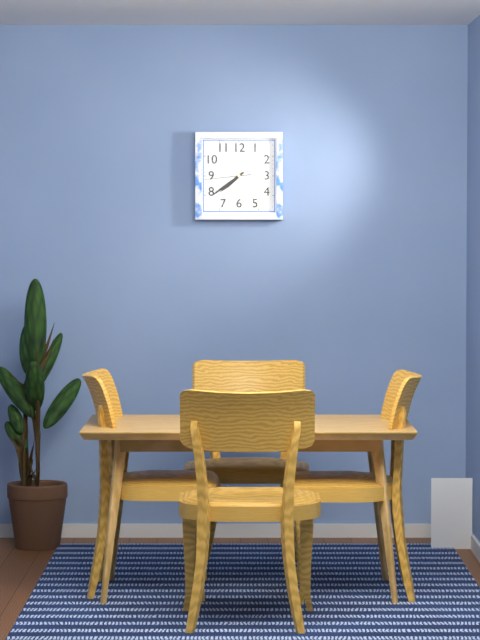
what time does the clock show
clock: 7:39
